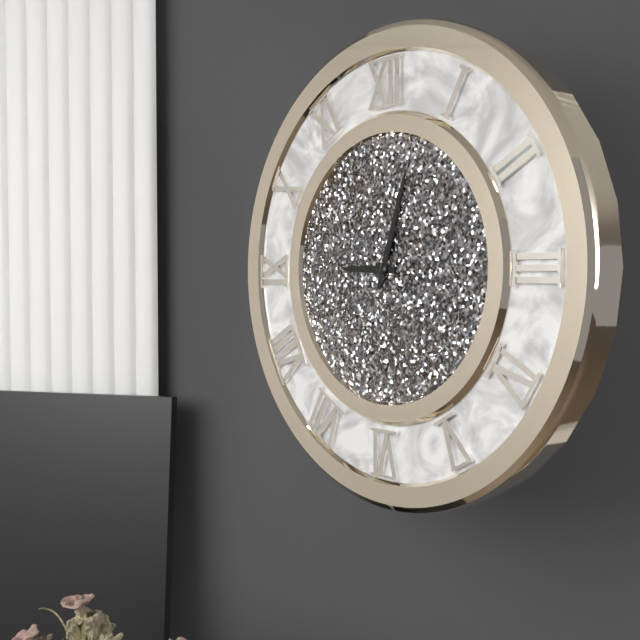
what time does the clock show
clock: 9:03
